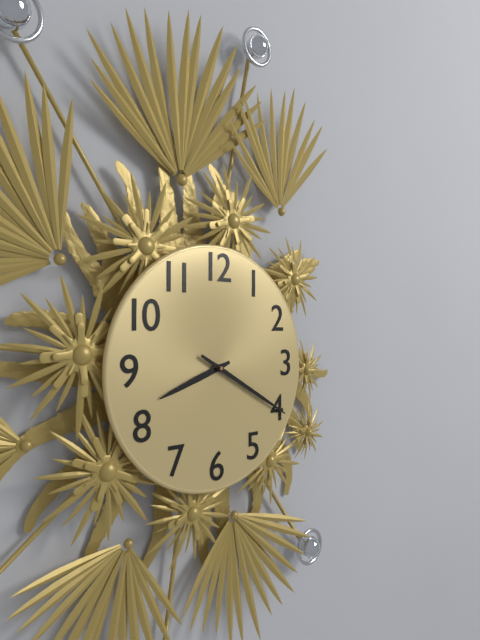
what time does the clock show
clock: 8:20
